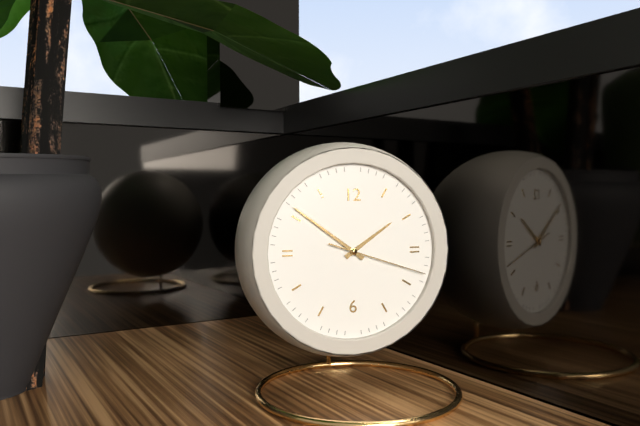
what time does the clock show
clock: 1:51:18
